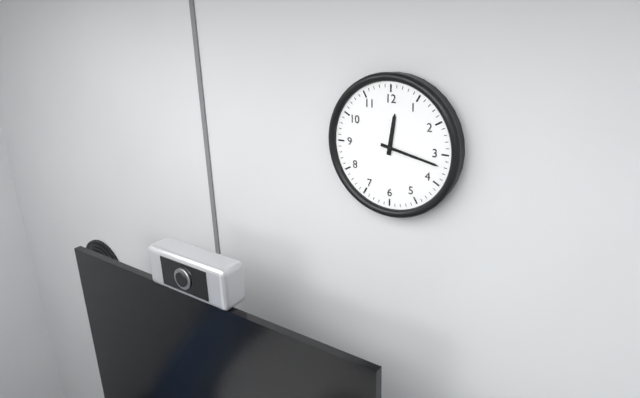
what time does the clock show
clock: 12:17
